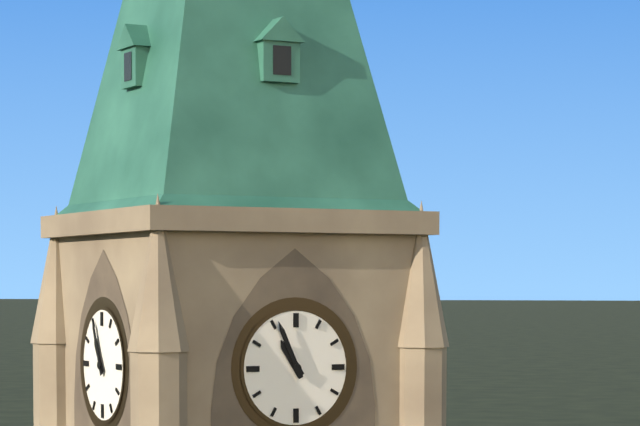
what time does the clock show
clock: 10:56
